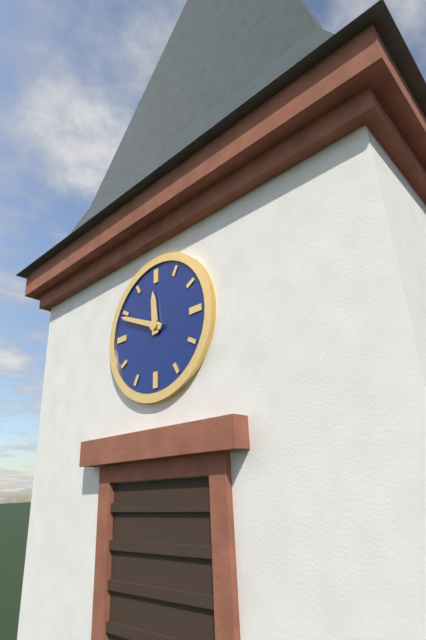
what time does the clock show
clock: 11:49
